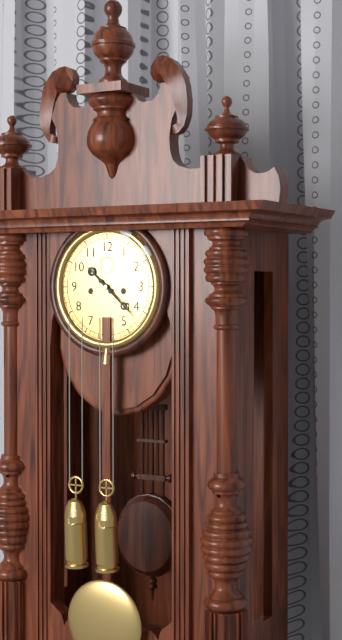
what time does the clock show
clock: 10:22
